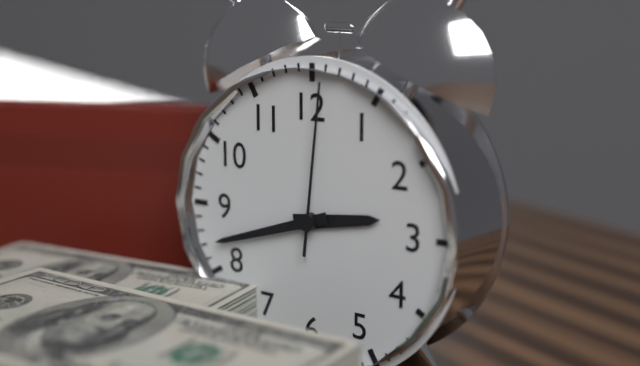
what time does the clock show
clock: 2:42:01
